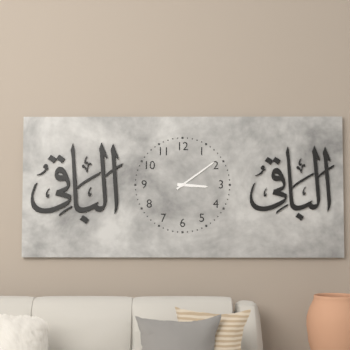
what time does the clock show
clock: 3:09
